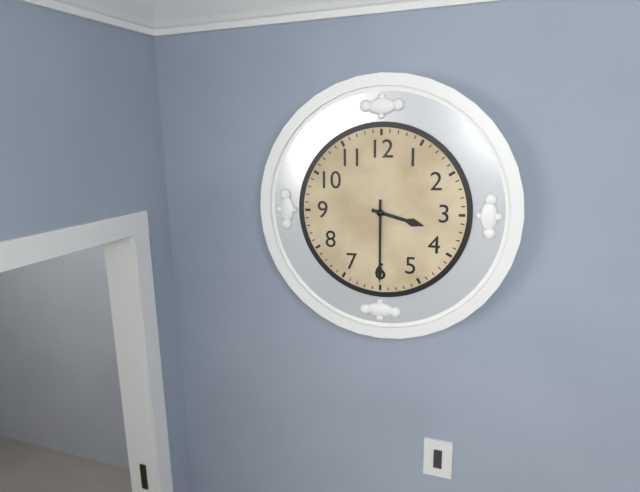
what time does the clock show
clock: 3:30
